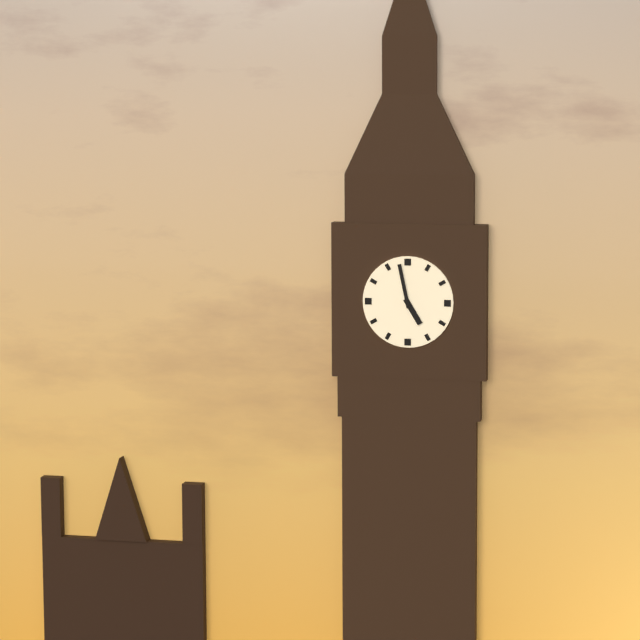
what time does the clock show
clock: 4:58
